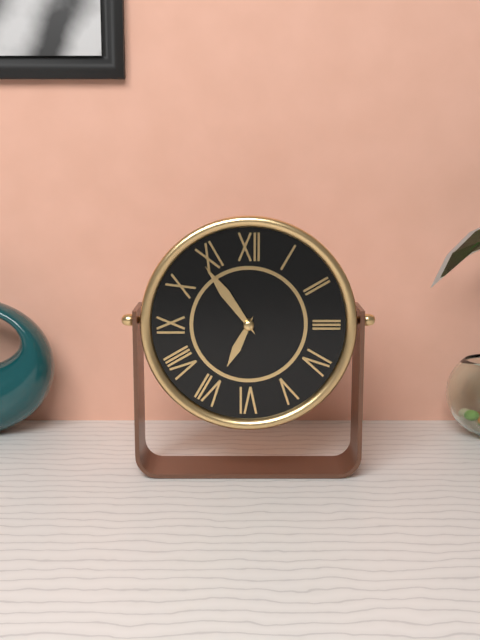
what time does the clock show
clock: 6:54
